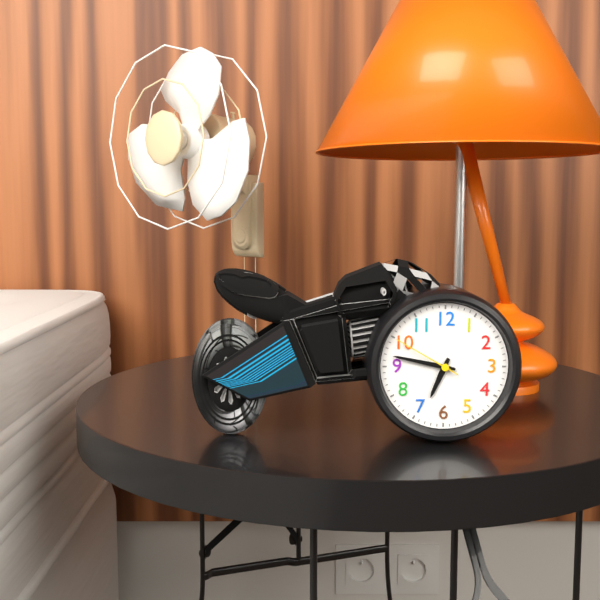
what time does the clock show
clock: 6:47:50
